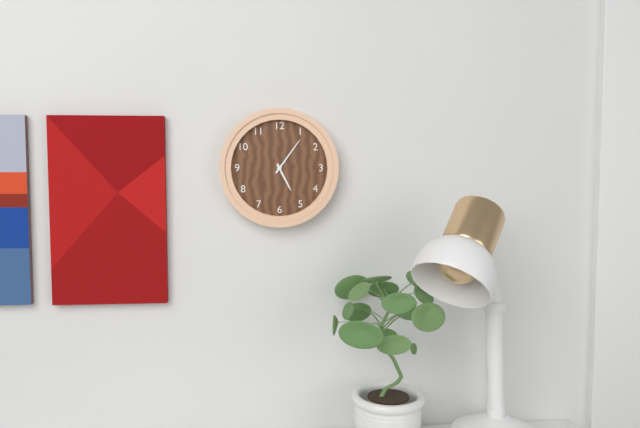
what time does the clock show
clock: 5:06
